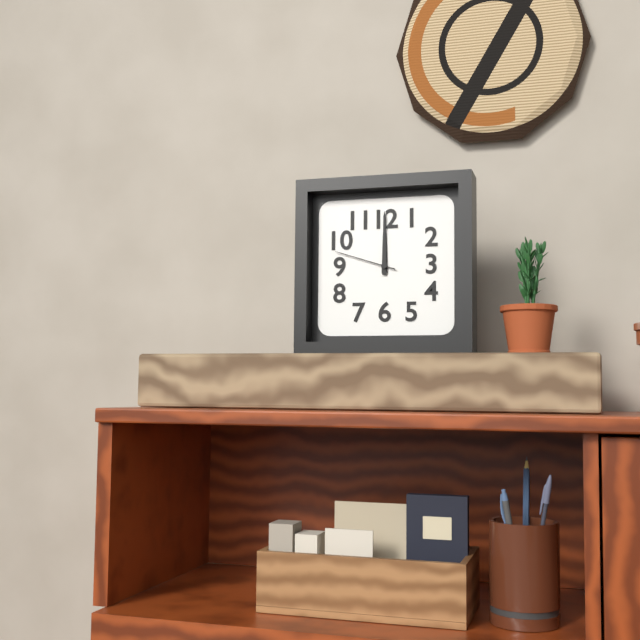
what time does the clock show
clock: 12:00:48
